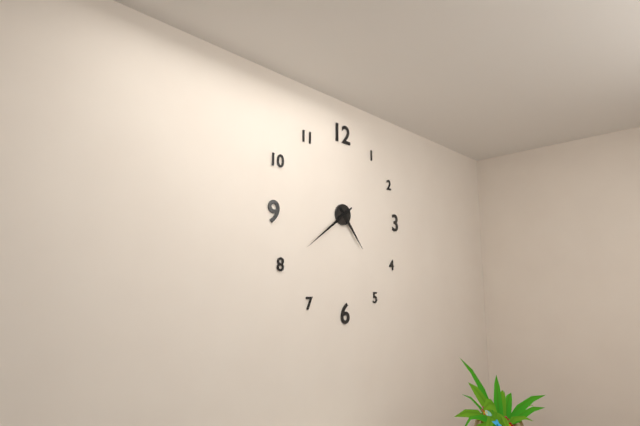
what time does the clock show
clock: 4:39
